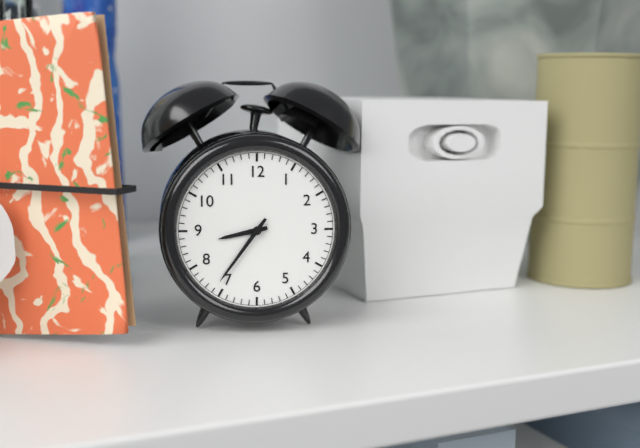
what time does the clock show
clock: 8:36
